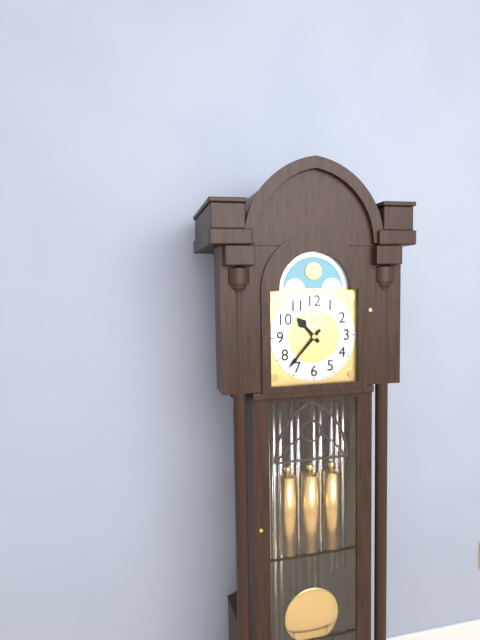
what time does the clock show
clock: 10:37
